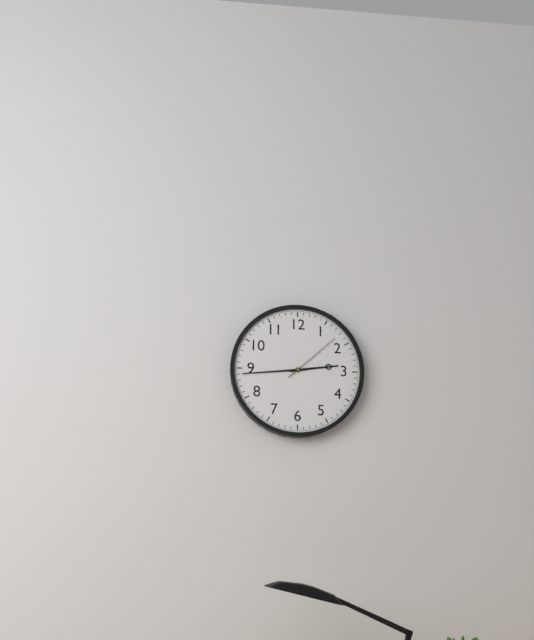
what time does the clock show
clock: 2:44:08
